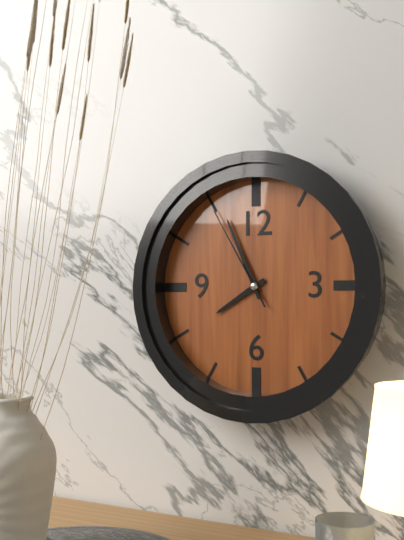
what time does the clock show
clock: 7:56:55
